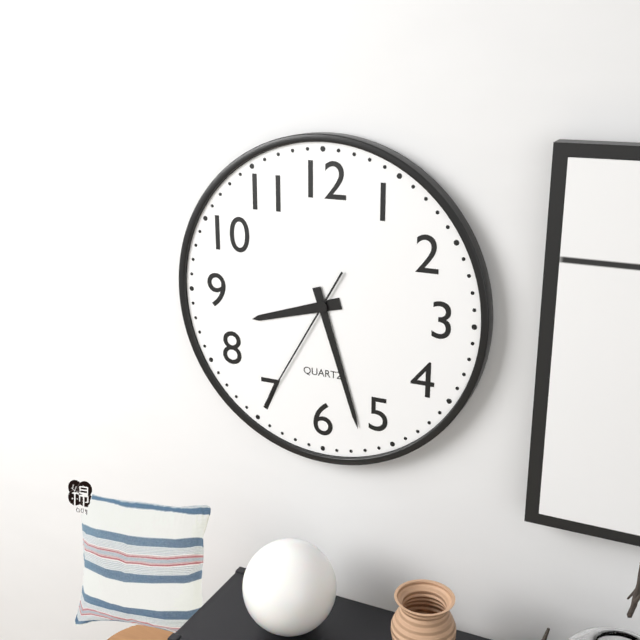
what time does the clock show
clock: 8:27:35
